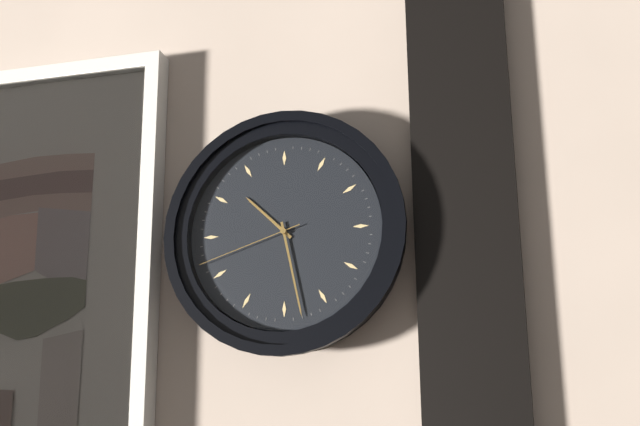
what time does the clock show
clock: 10:28:42
